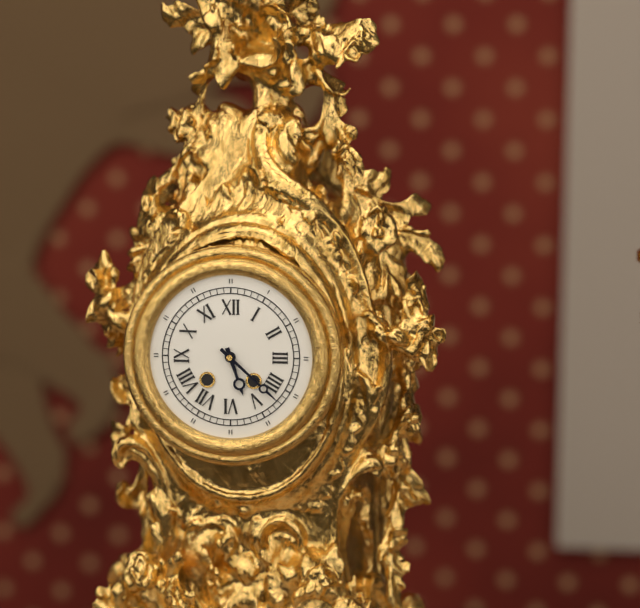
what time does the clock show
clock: 5:22
